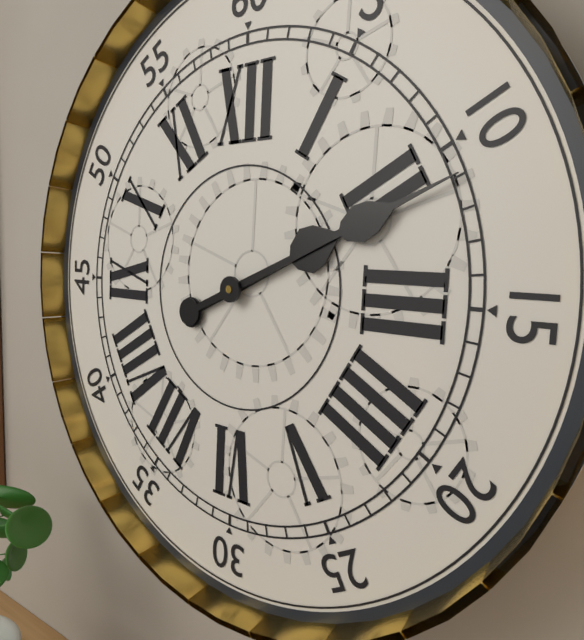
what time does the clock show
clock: 2:11
